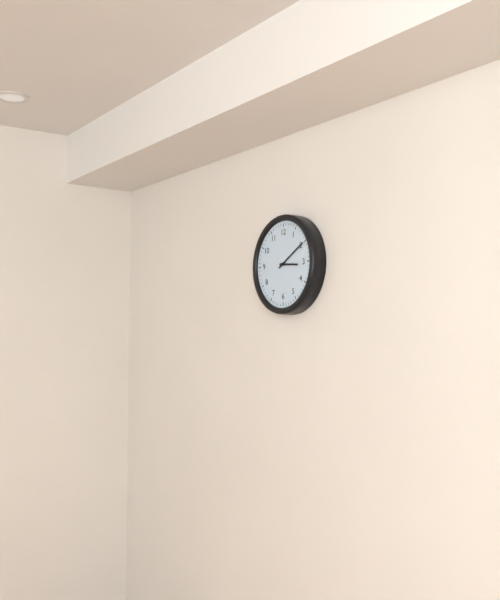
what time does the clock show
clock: 3:10
